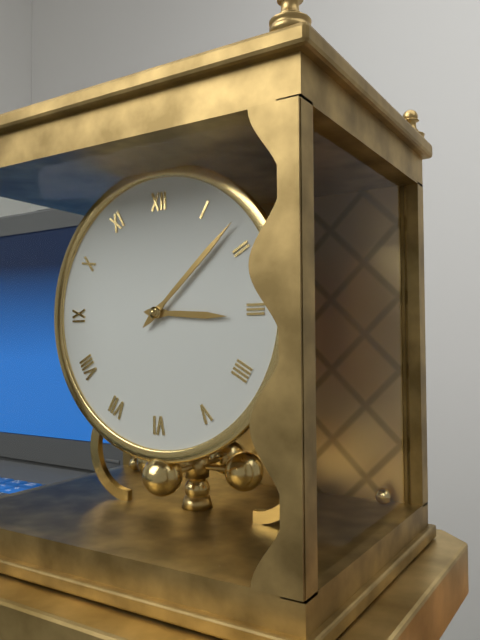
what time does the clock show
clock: 3:08
